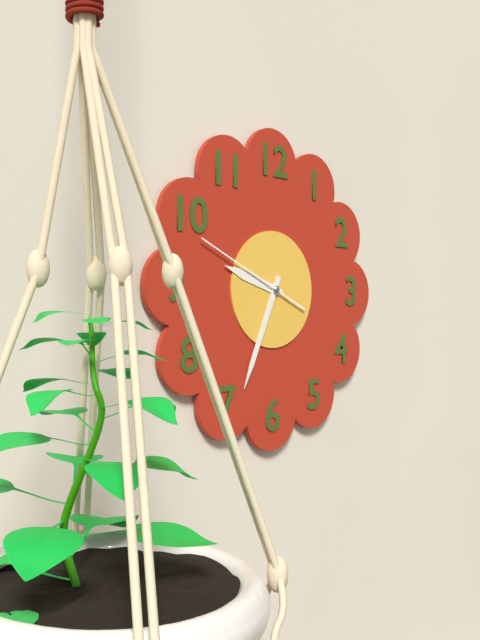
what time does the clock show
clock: 9:34:49
